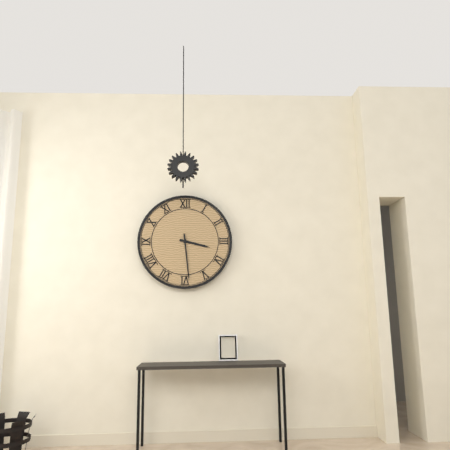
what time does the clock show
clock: 3:29
